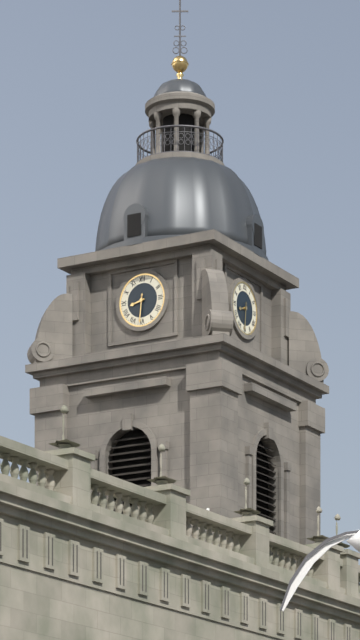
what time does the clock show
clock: 8:31
